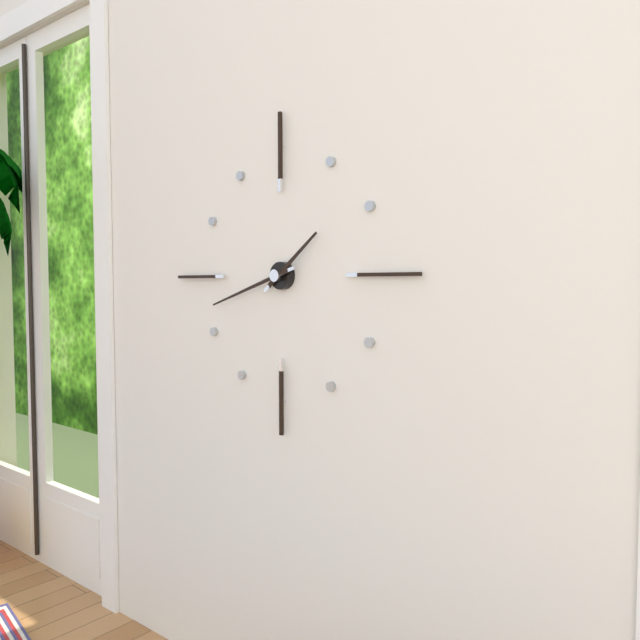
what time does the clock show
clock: 1:42
